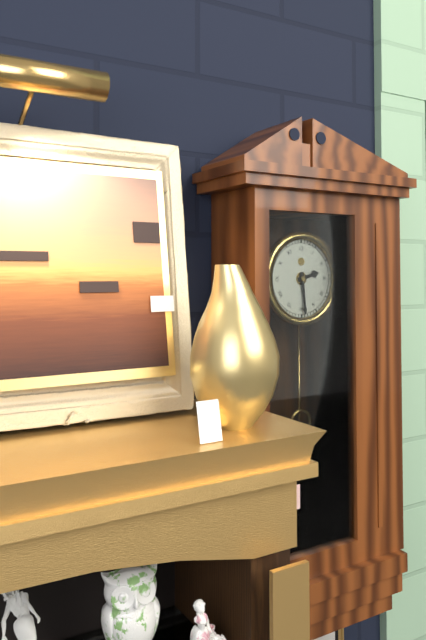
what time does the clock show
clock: 2:29
